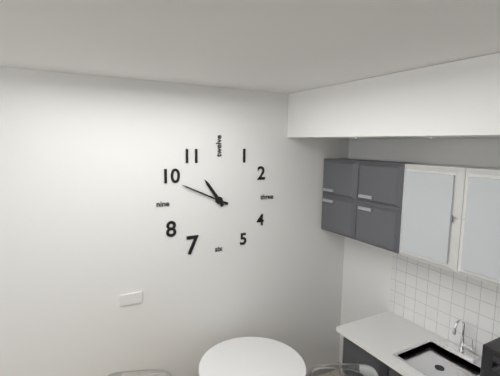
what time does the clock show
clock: 10:49
